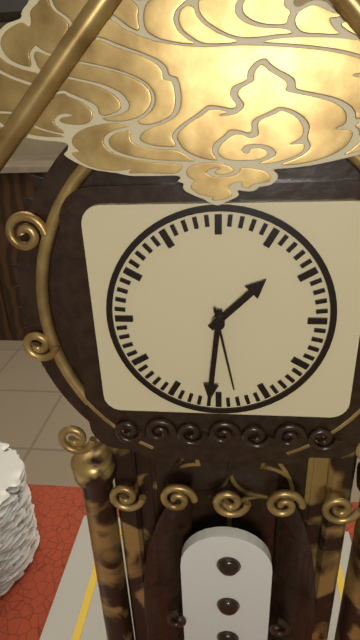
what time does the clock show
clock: 1:31:28
